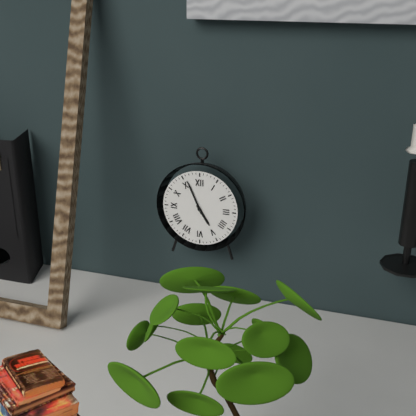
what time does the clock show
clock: 4:56
